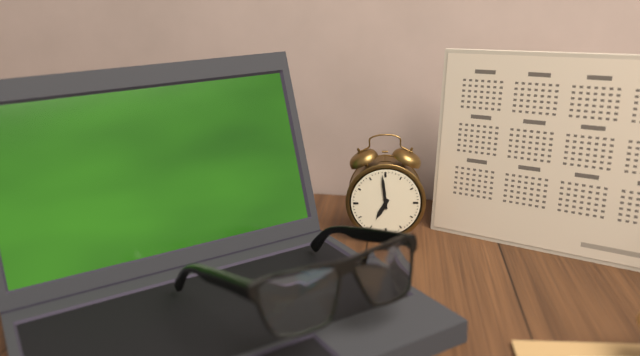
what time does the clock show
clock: 6:59
